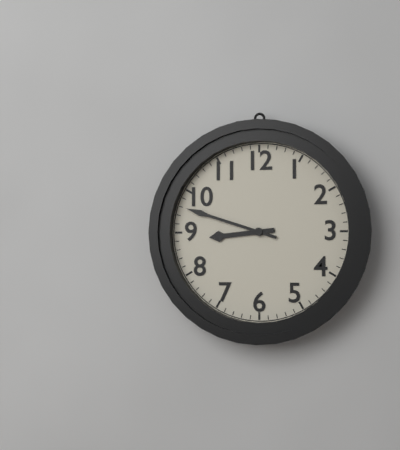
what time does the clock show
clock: 8:48
